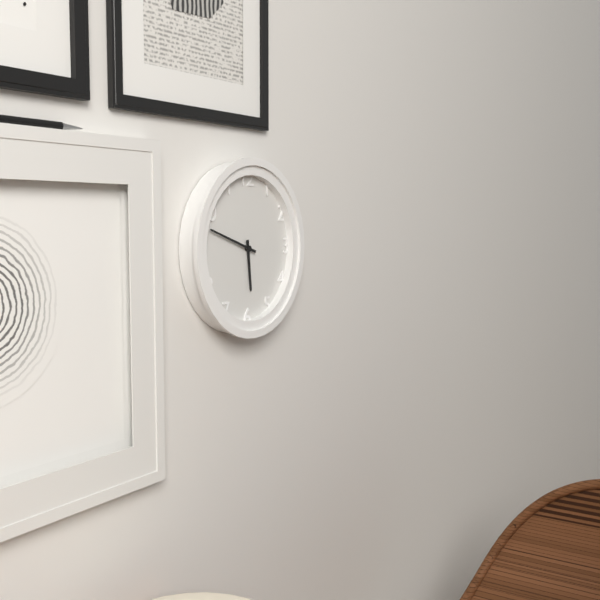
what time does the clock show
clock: 5:48
